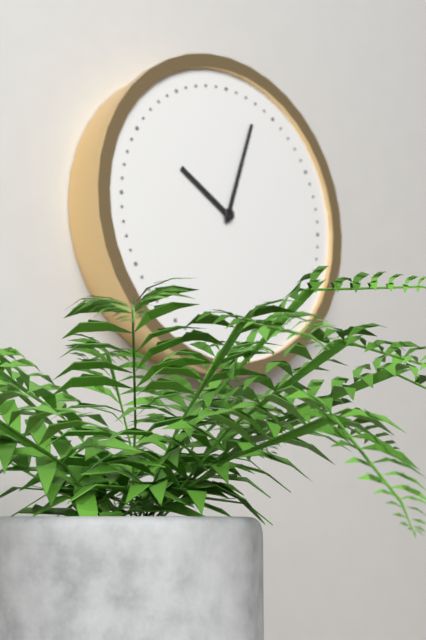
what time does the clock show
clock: 10:03
